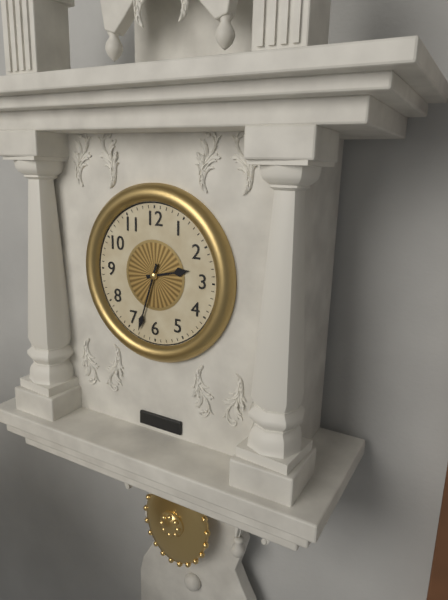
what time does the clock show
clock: 2:33
